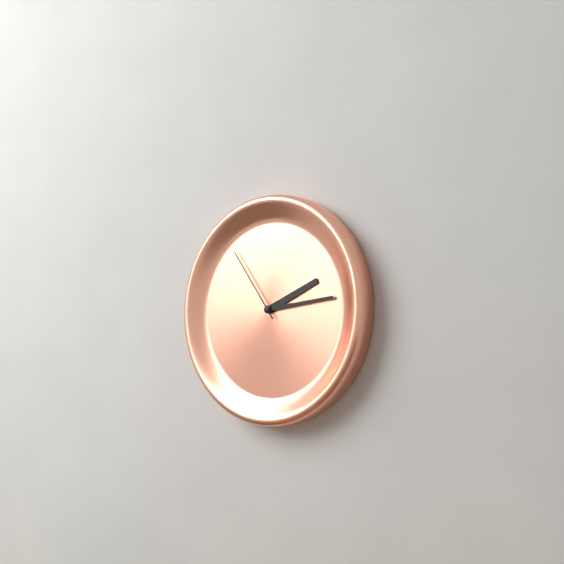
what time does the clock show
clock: 2:14:54
